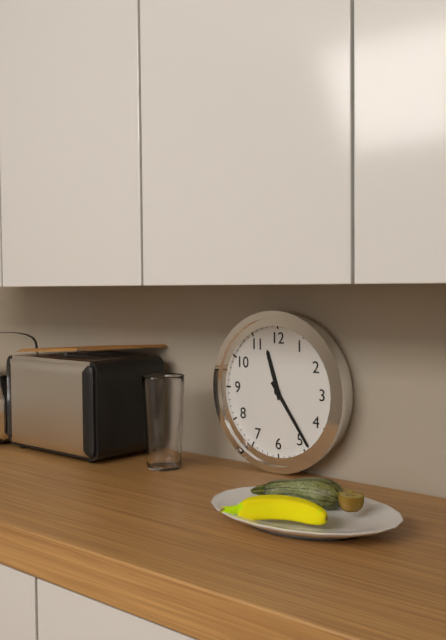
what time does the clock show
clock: 11:24
